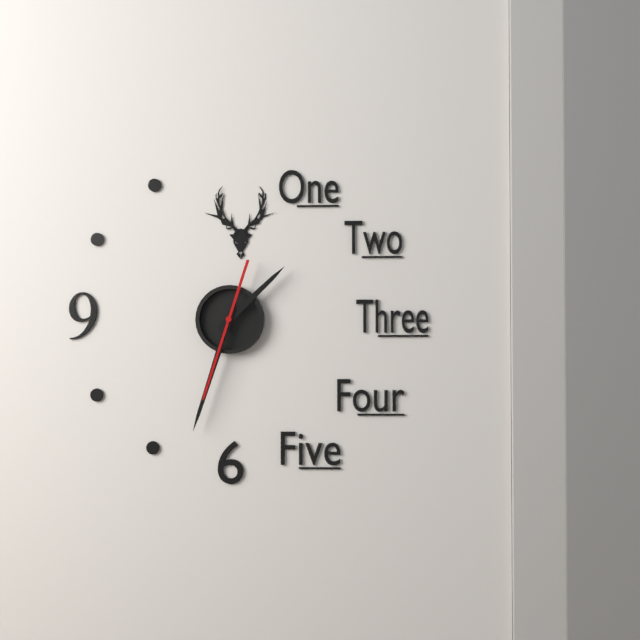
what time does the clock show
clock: 1:33:33
